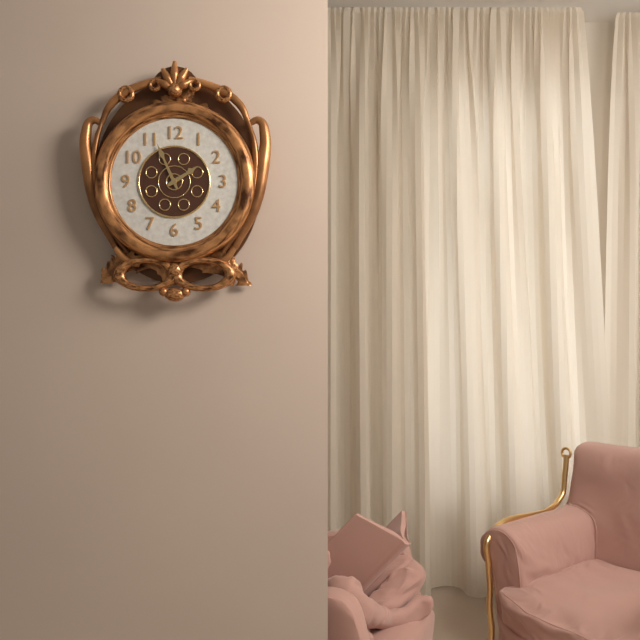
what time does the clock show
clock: 1:56
